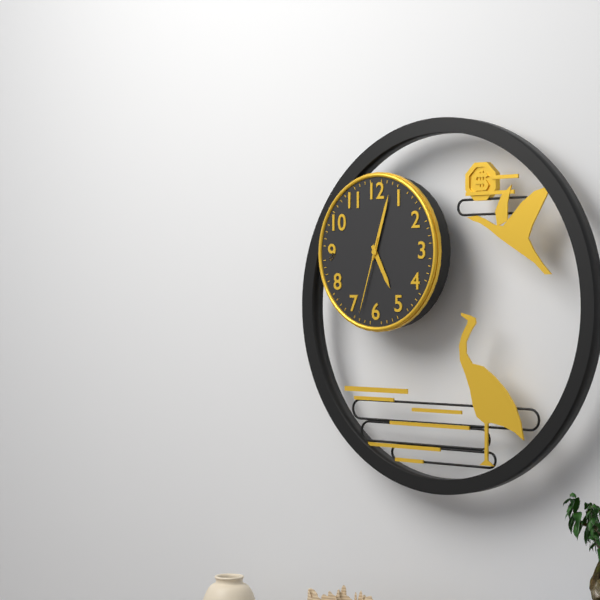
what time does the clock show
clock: 5:03:33
